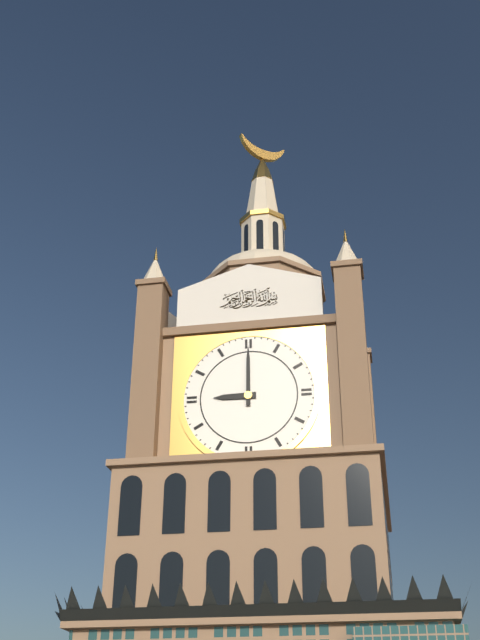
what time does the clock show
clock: 9:00
